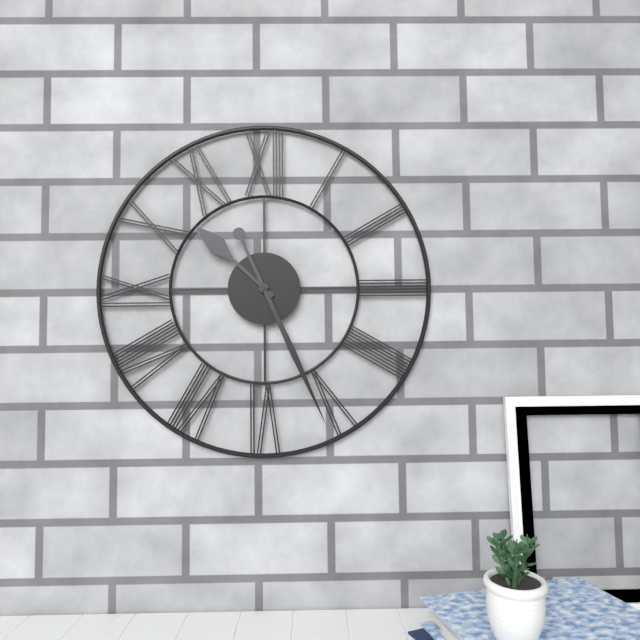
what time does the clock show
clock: 10:26
